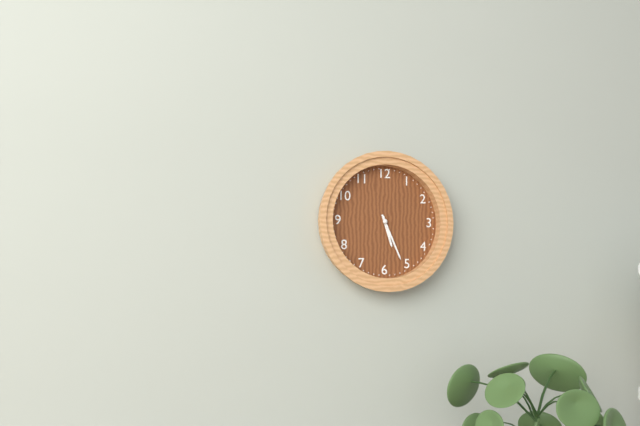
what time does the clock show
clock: 5:26
